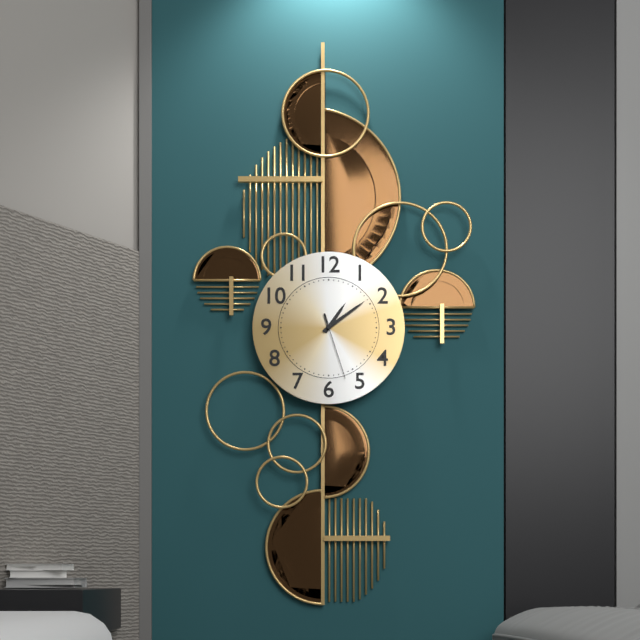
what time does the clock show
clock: 1:09:27
